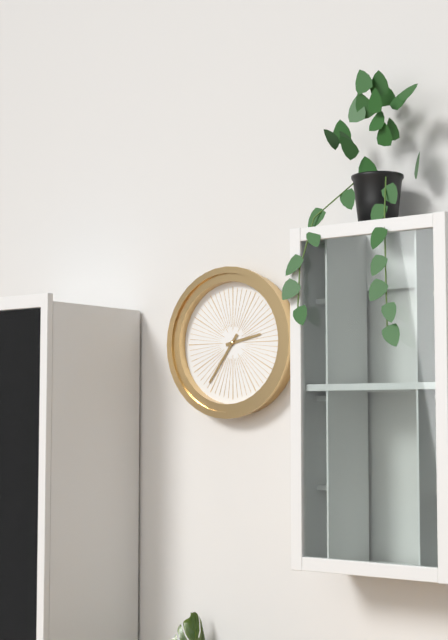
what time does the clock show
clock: 2:36
